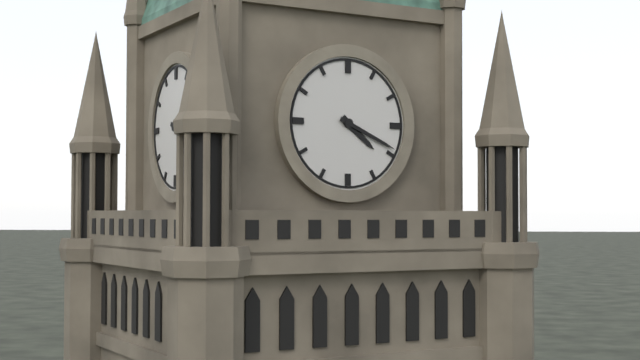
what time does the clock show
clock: 4:19
